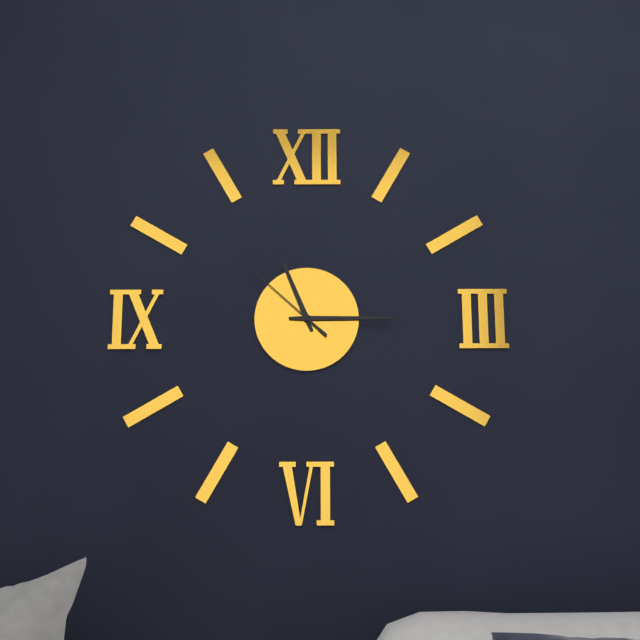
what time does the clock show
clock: 11:15:52
